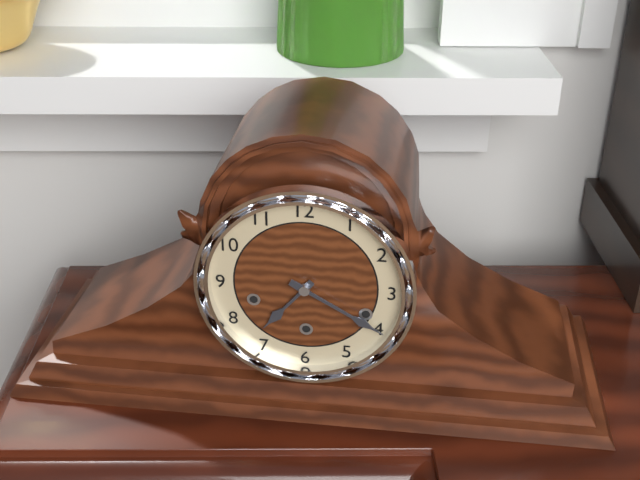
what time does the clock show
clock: 7:20
